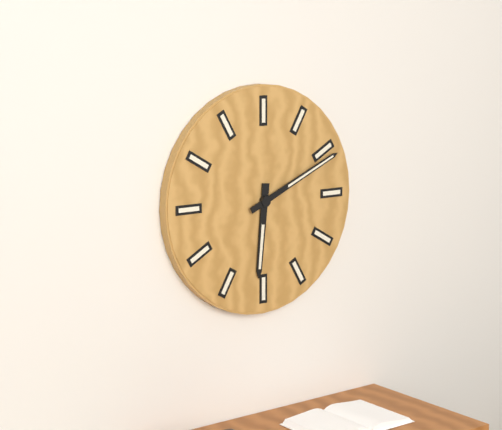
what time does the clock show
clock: 6:11
